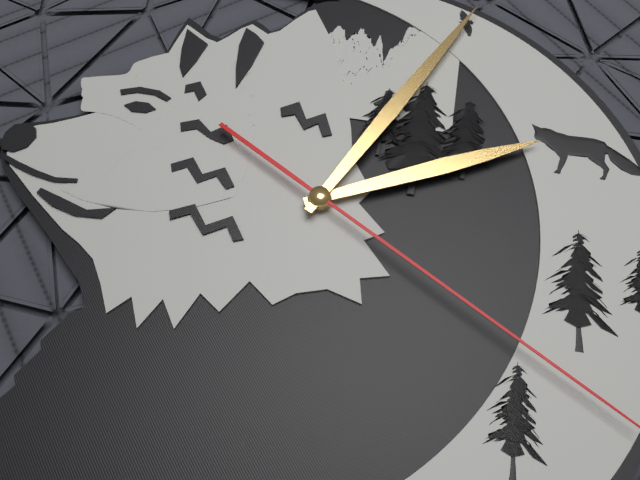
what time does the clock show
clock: 2:04
